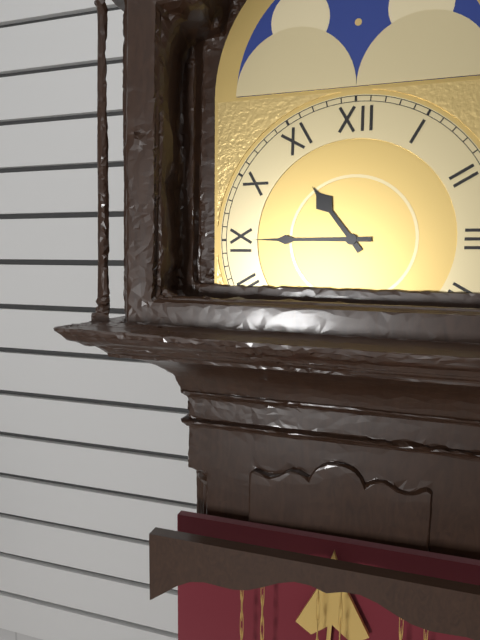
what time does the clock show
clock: 10:45
